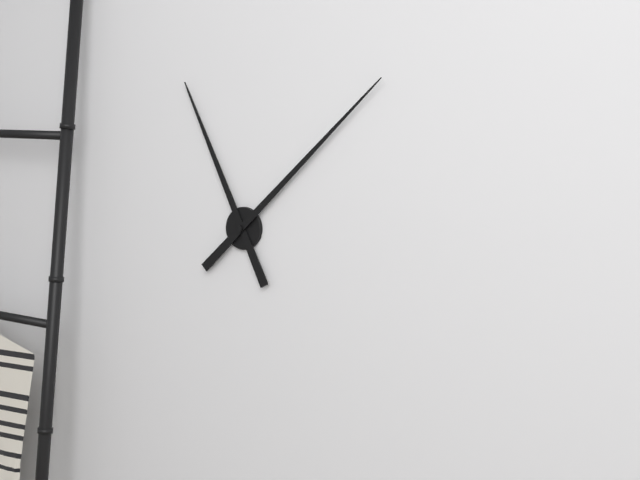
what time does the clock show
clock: 11:08
